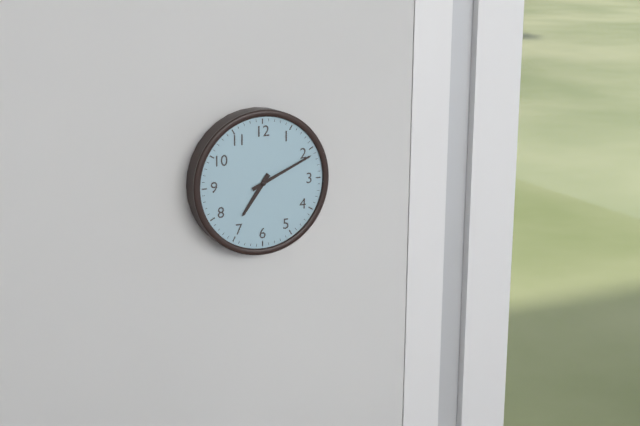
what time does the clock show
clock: 7:11
